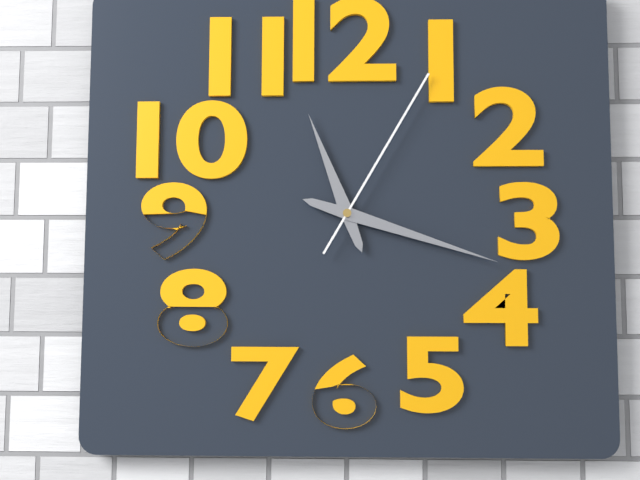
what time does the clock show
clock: 11:18:05
